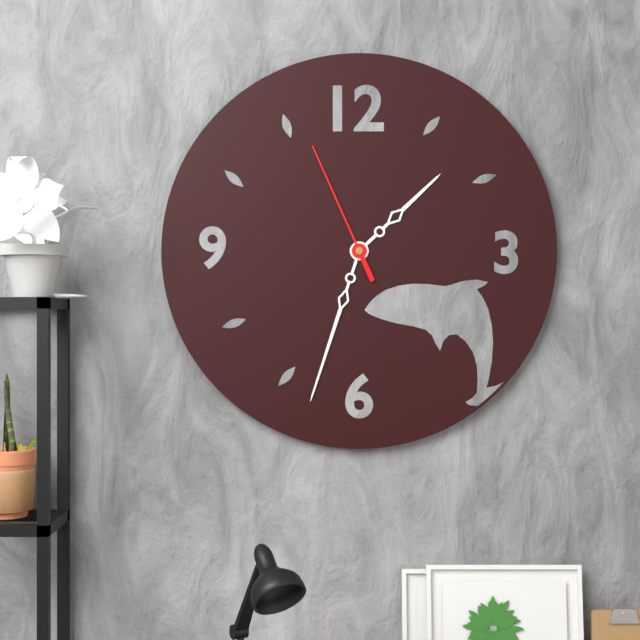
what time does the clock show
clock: 1:33:56
